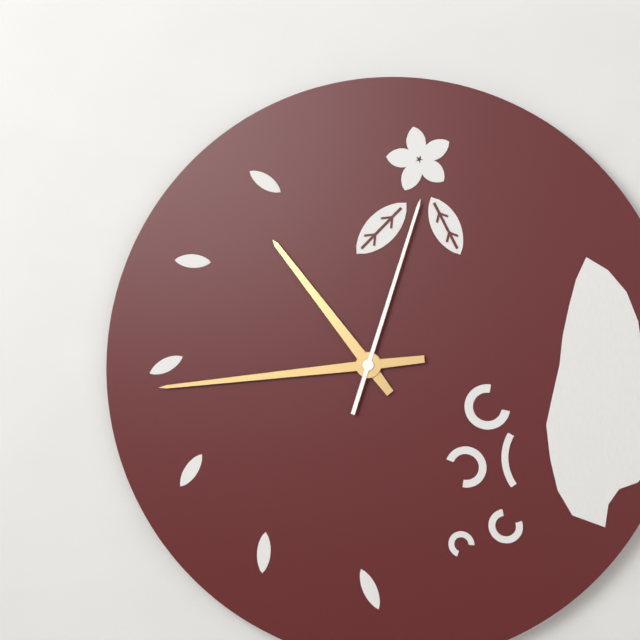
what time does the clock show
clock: 10:44:03
